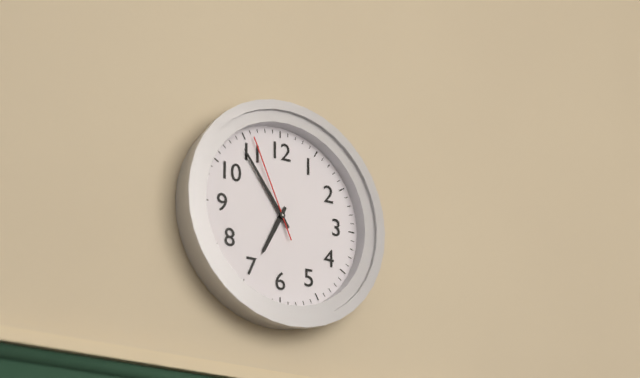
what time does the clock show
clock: 6:54:56
